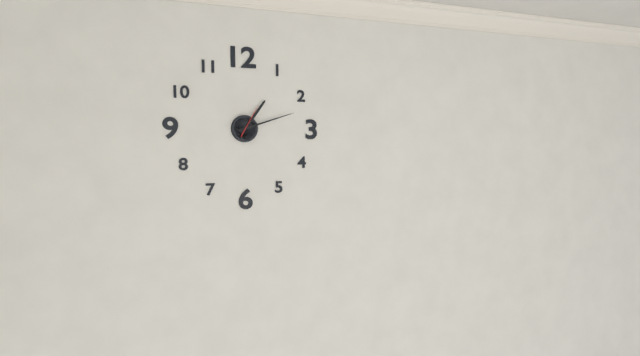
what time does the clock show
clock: 1:12
